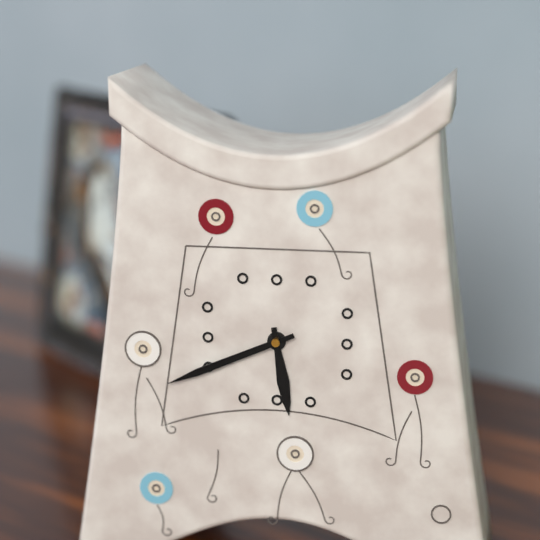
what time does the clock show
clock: 5:41
